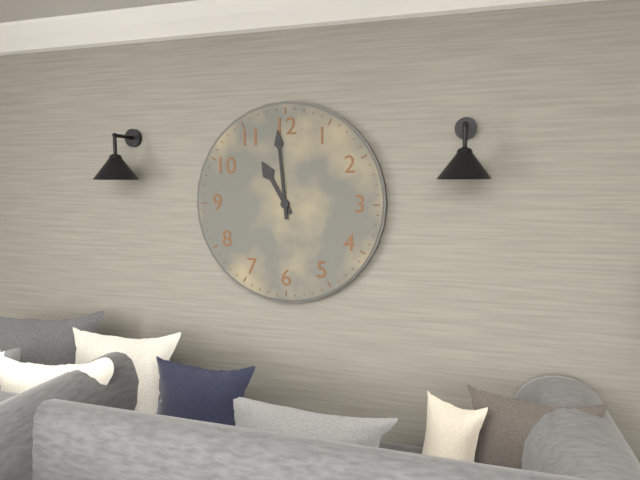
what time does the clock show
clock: 10:59
